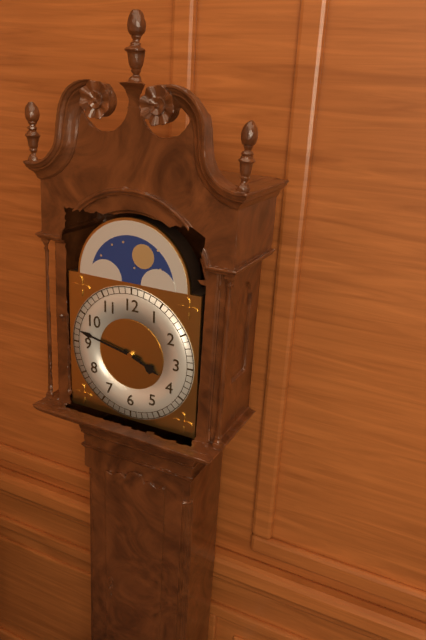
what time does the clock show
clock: 3:47
